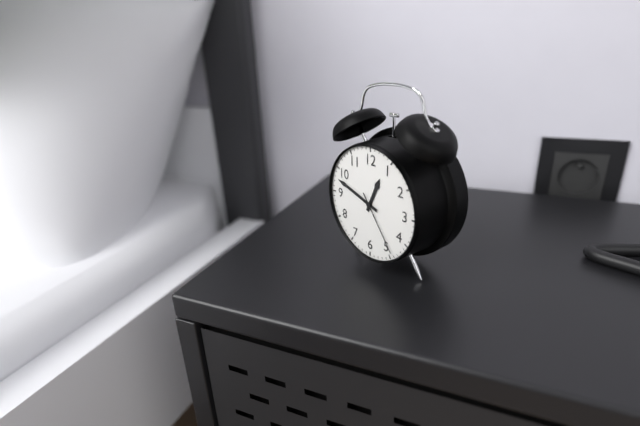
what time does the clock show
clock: 12:48:24
